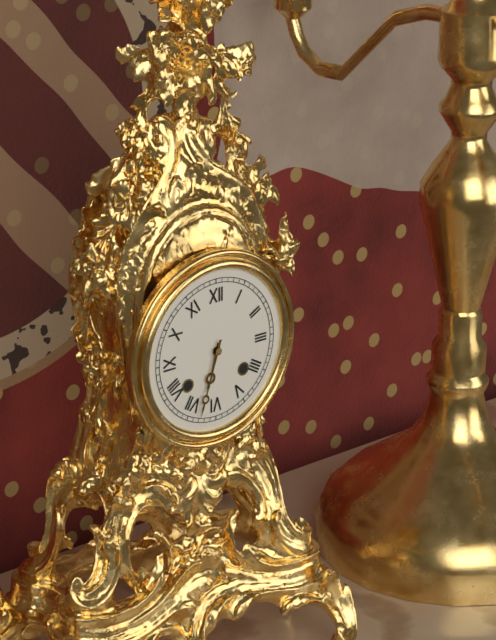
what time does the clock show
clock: 6:33
